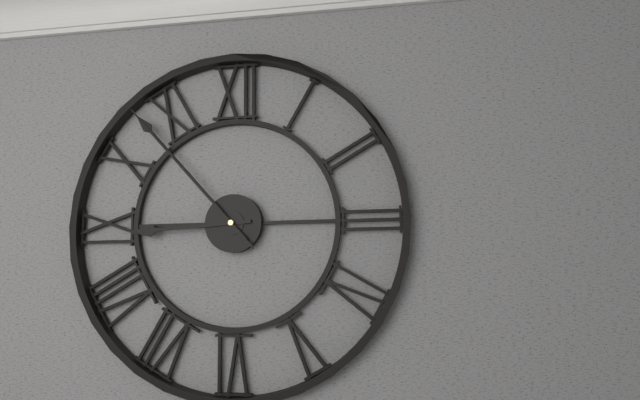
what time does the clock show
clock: 8:53:53
